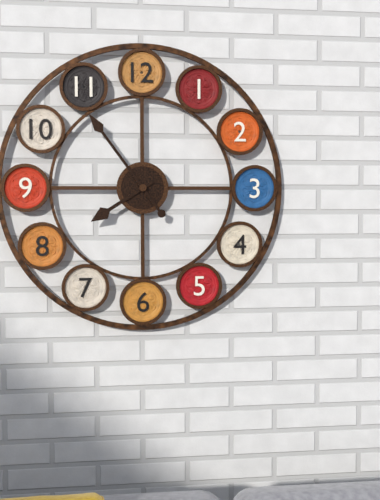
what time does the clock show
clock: 7:54
